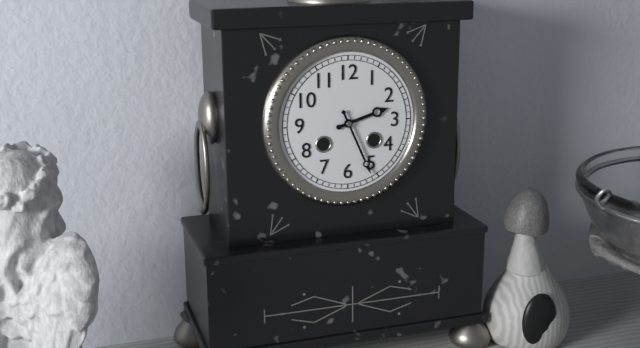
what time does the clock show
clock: 2:26
